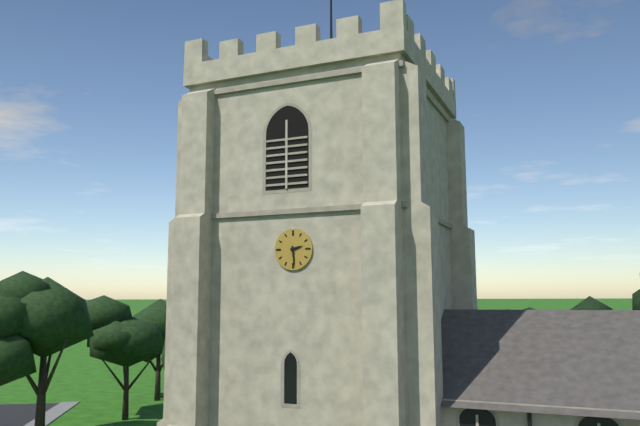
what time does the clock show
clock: 2:29
